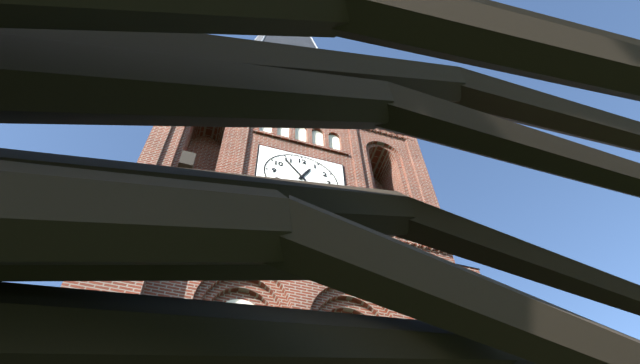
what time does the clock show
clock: 12:54
